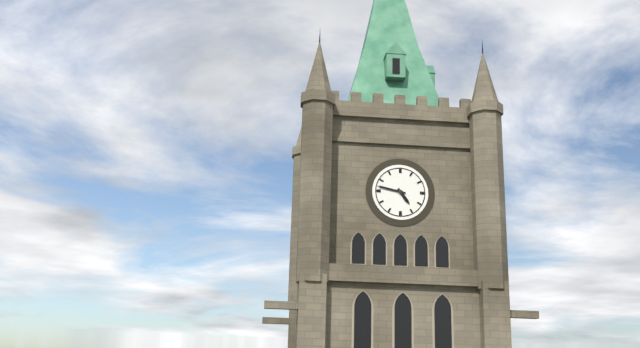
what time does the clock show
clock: 4:47
